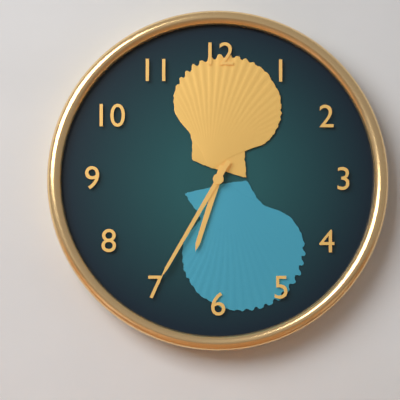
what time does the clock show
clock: 6:35
